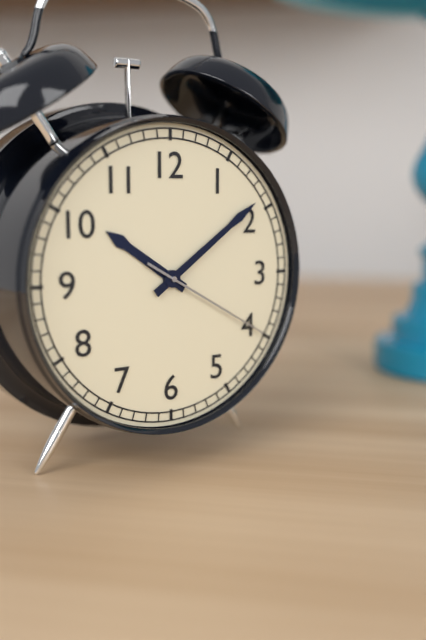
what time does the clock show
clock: 10:09:20
